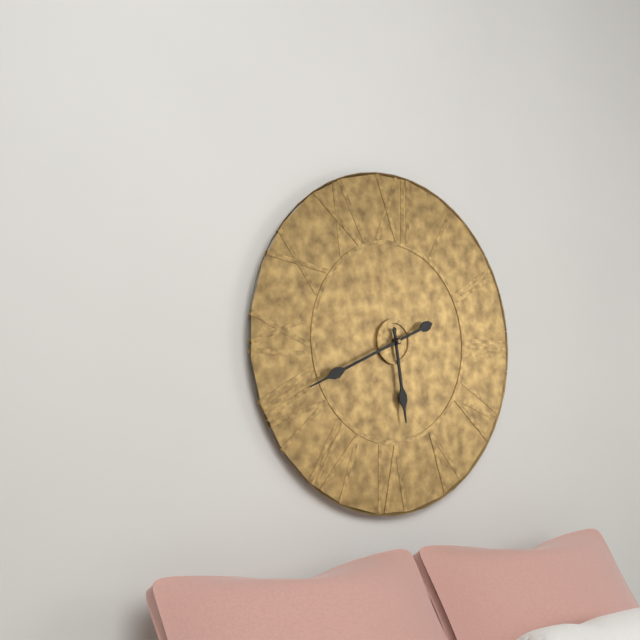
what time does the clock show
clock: 5:41
